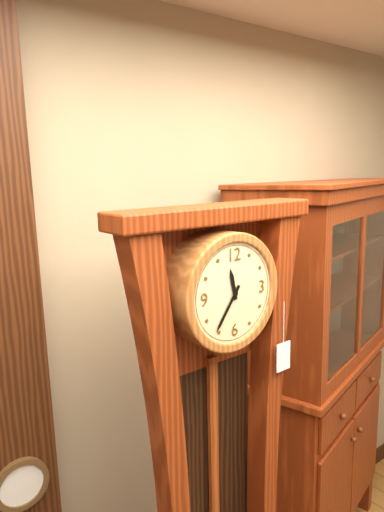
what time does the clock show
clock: 11:36
